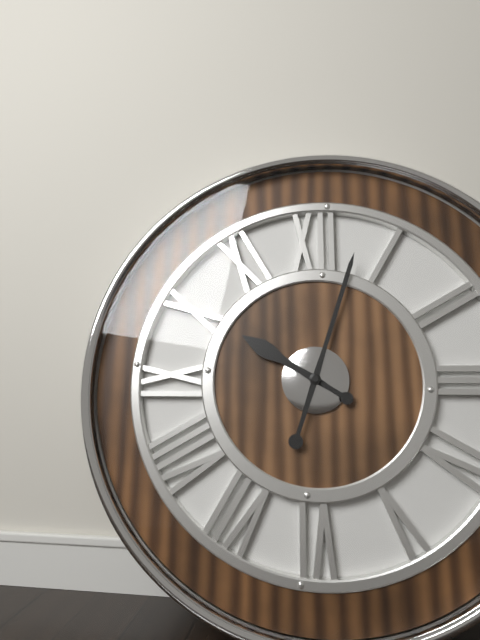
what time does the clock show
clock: 10:03
